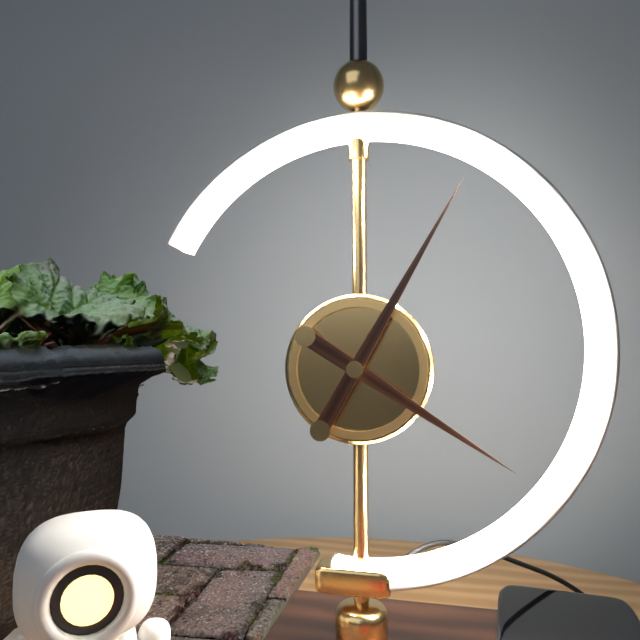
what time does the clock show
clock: 4:05
